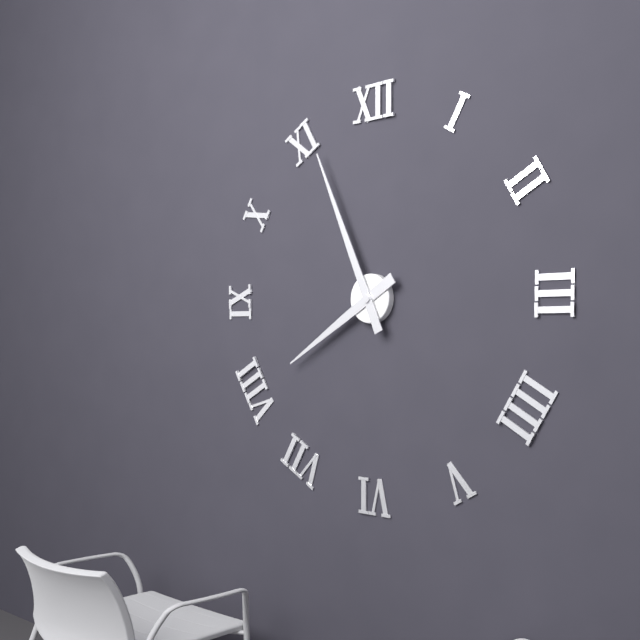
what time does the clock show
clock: 7:56
